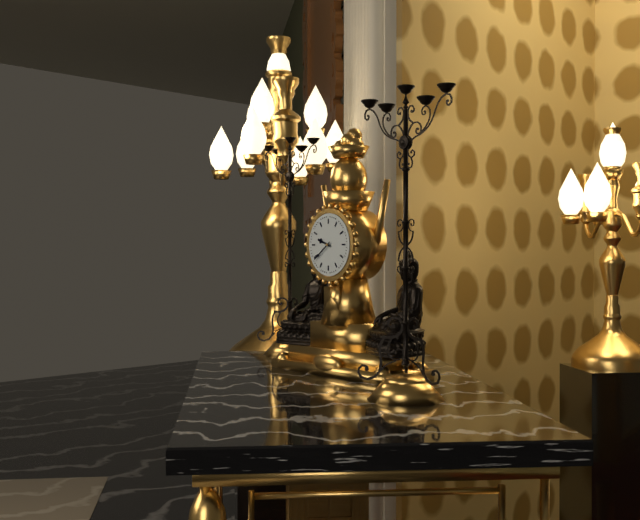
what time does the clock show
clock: 9:39
